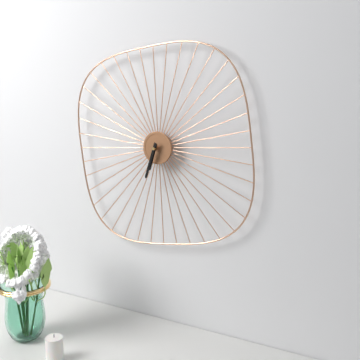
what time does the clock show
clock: 6:33
